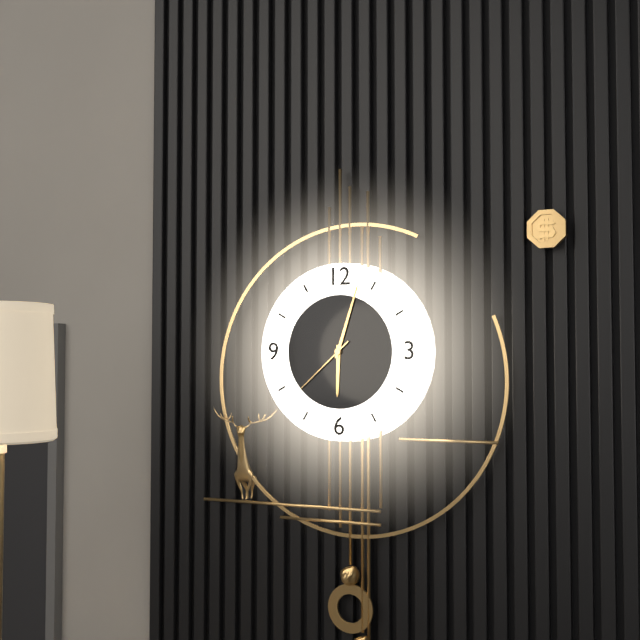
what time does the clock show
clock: 6:03:38
